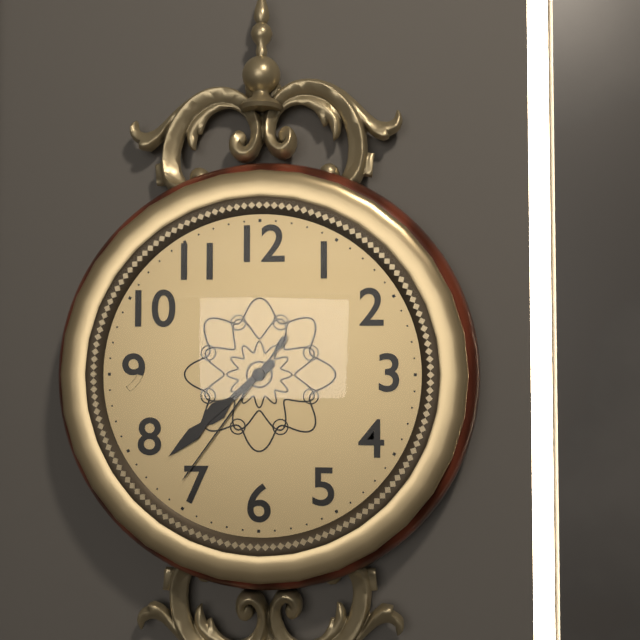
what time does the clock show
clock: 7:38:36
